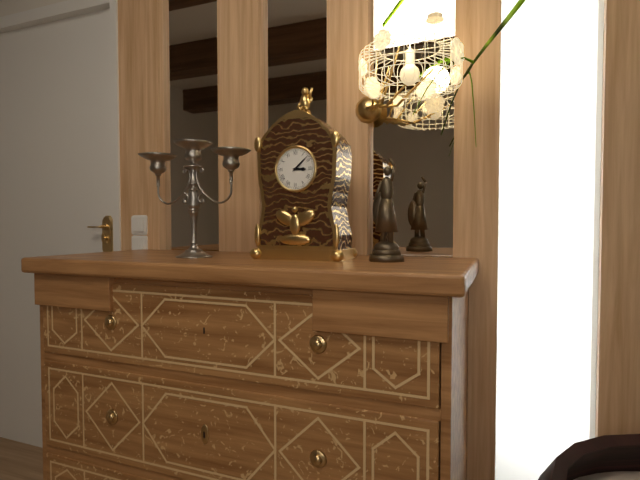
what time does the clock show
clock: 3:08
